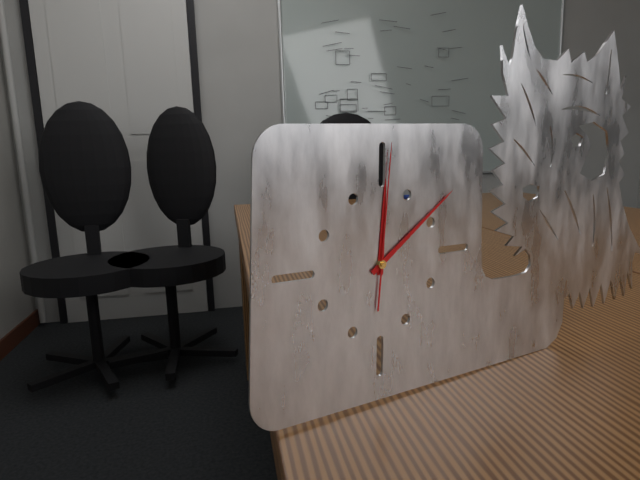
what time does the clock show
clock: 12:09:01
